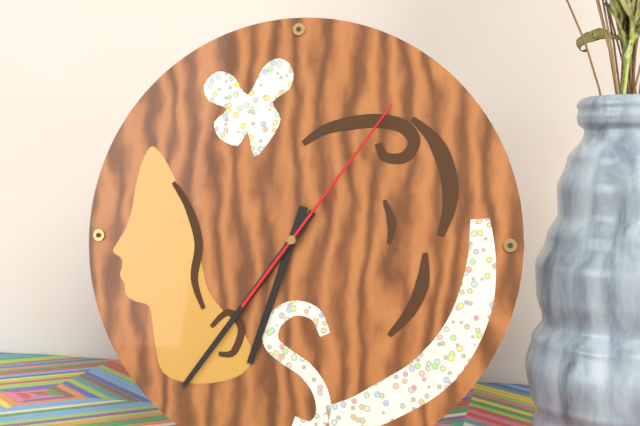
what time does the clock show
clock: 6:36:06
